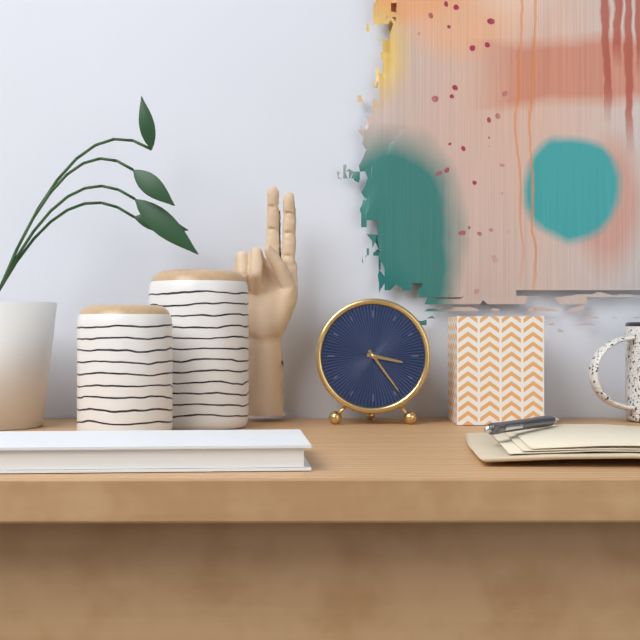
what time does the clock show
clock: 3:24
